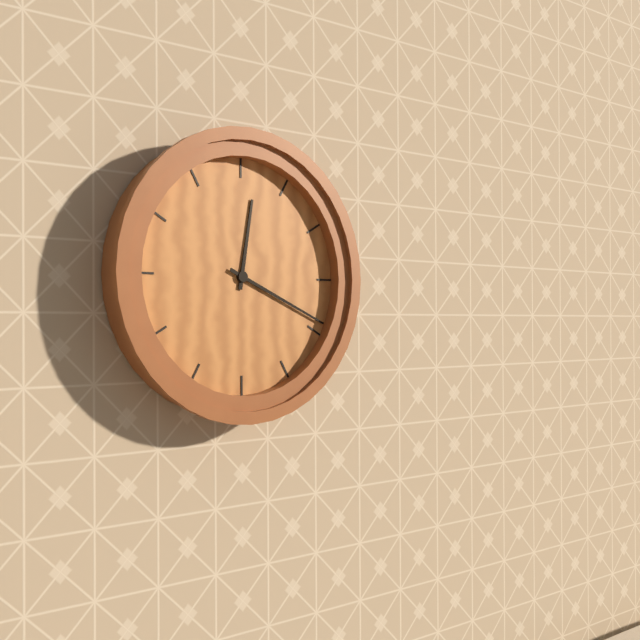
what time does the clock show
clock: 12:19
